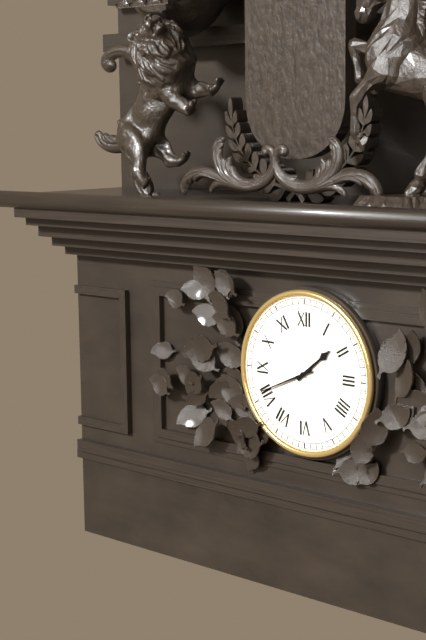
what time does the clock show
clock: 1:41
